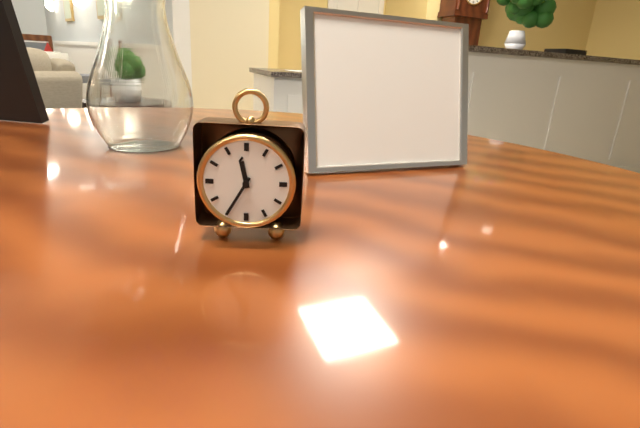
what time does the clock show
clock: 11:35
